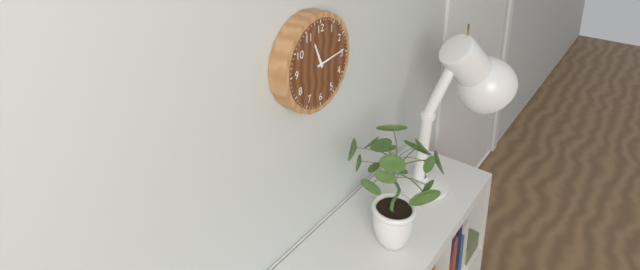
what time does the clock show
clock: 11:14
